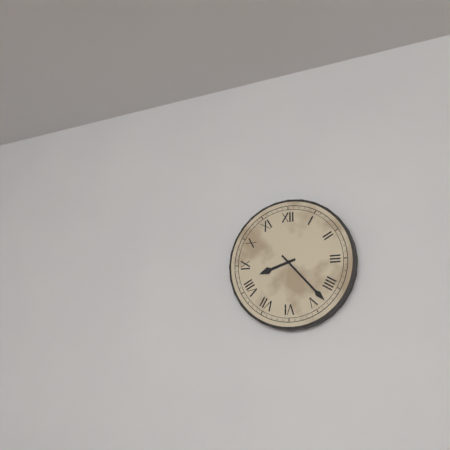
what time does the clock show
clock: 8:23
